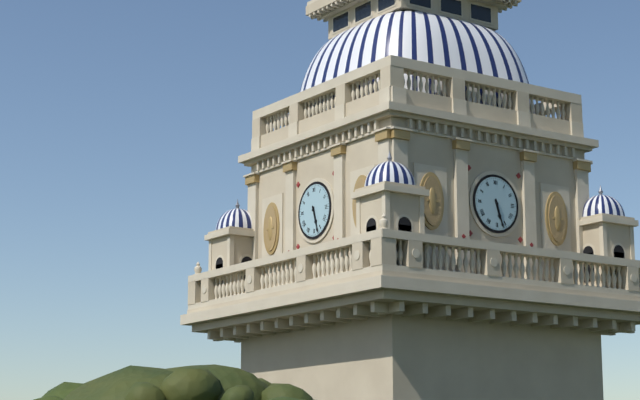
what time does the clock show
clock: 5:27
